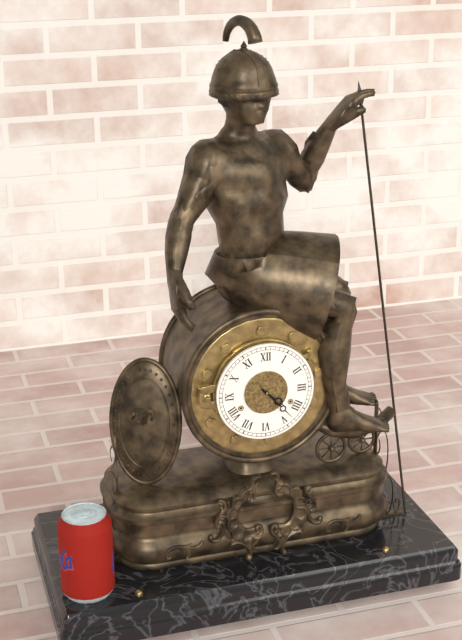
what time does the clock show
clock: 4:23
